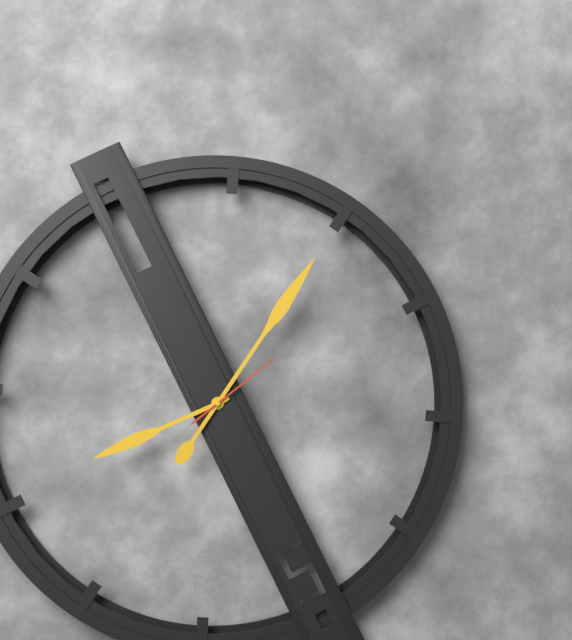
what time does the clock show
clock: 8:05:08
